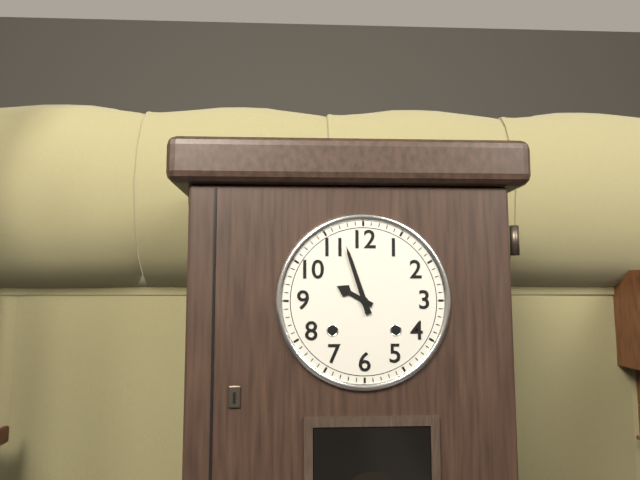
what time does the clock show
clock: 9:57
